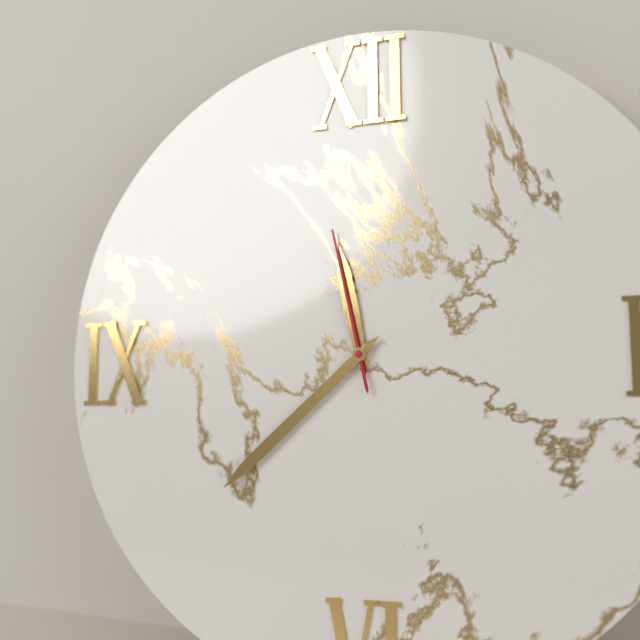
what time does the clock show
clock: 11:38:58
